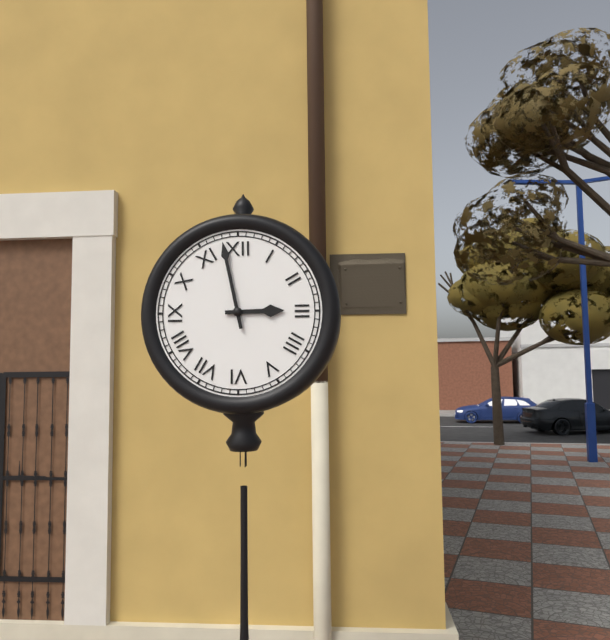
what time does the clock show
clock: 2:58
